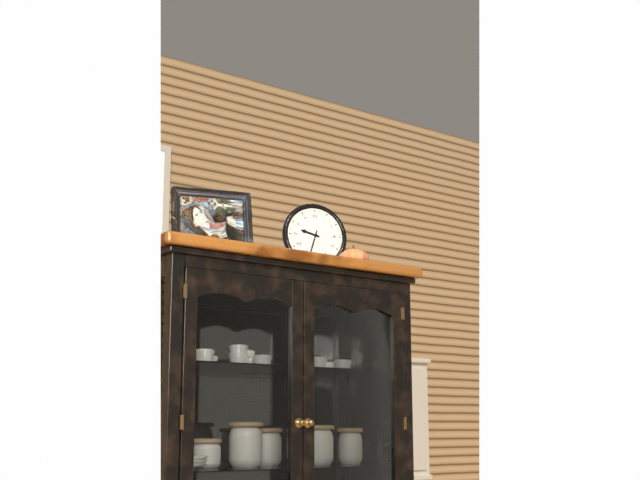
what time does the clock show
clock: 9:33
